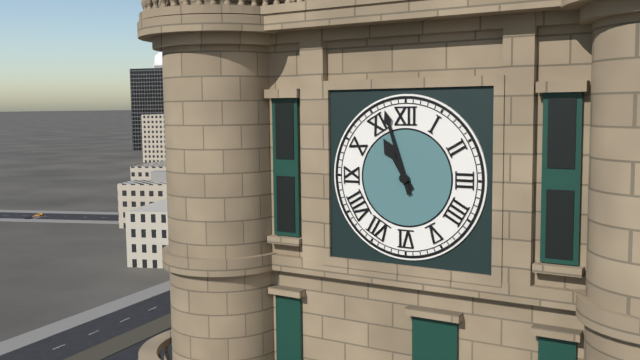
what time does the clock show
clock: 10:57
